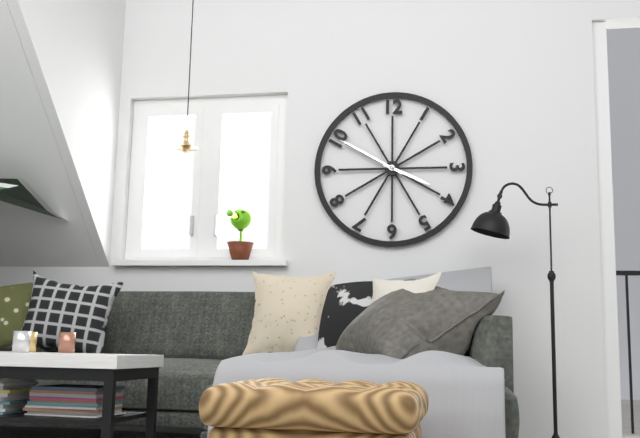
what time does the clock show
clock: 3:50
